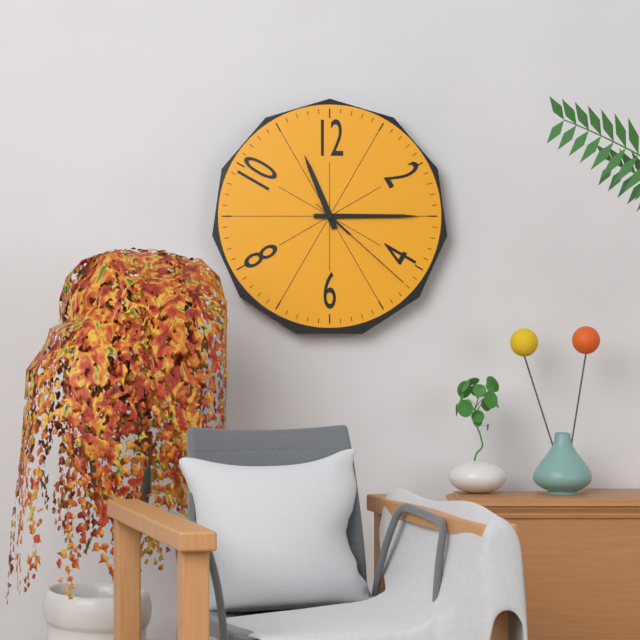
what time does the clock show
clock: 11:15:22
